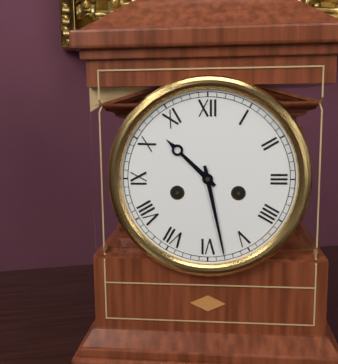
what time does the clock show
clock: 10:28
